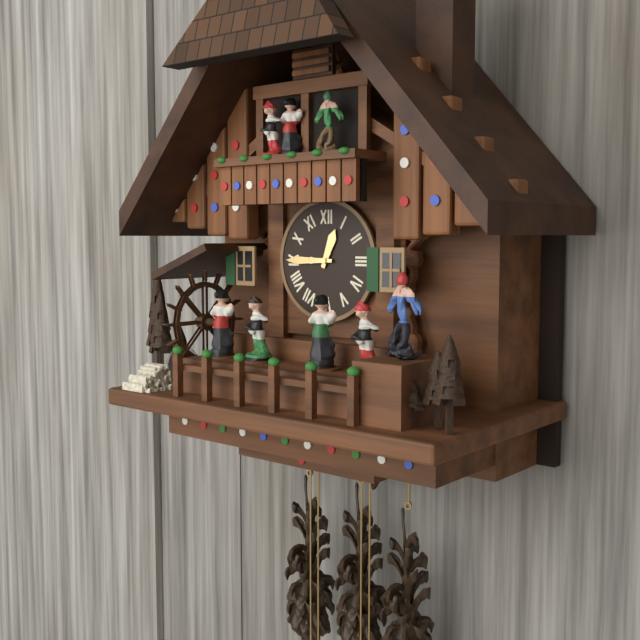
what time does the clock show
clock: 12:45
